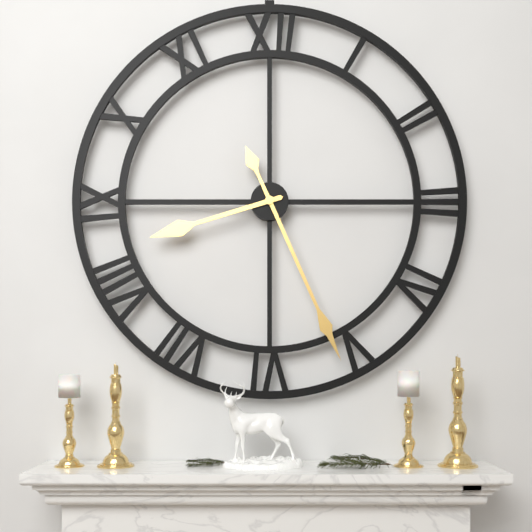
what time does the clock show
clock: 8:26
